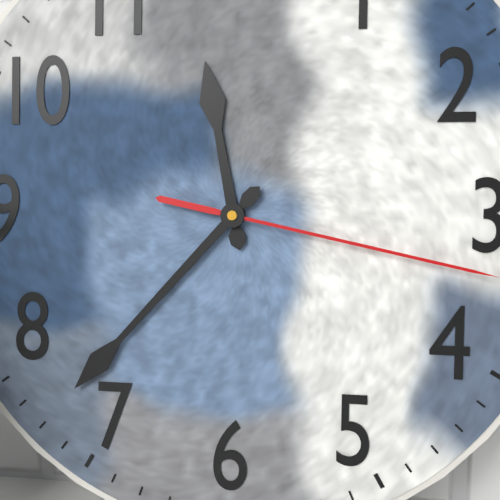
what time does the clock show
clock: 11:37
